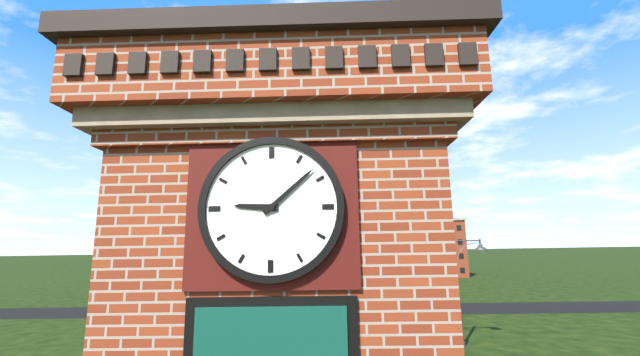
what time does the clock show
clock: 9:08
